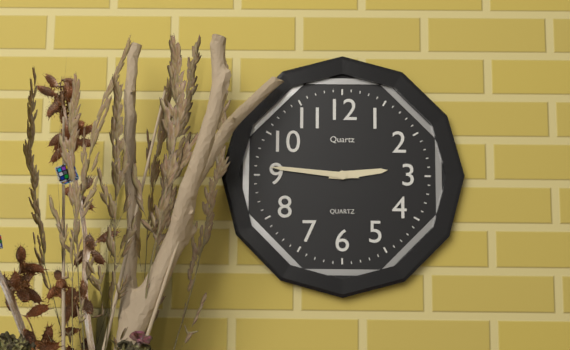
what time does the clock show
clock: 2:46
